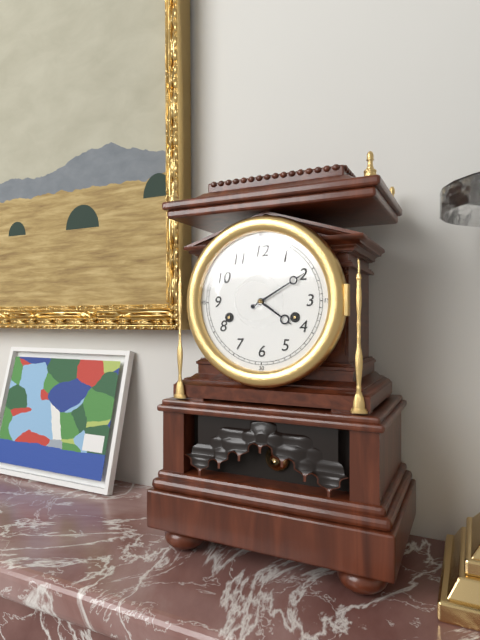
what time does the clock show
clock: 4:10
